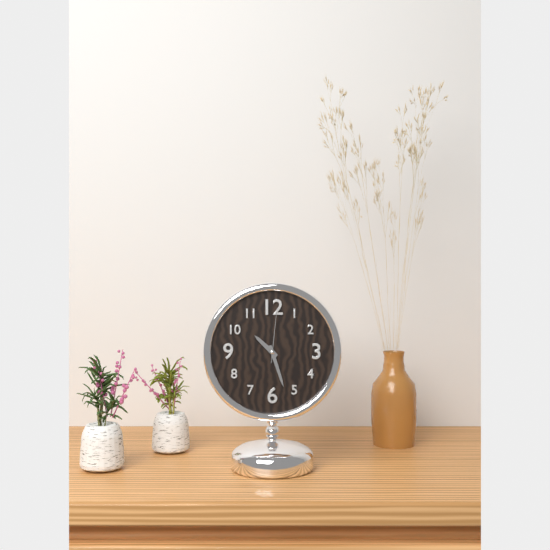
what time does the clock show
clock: 10:27:01
